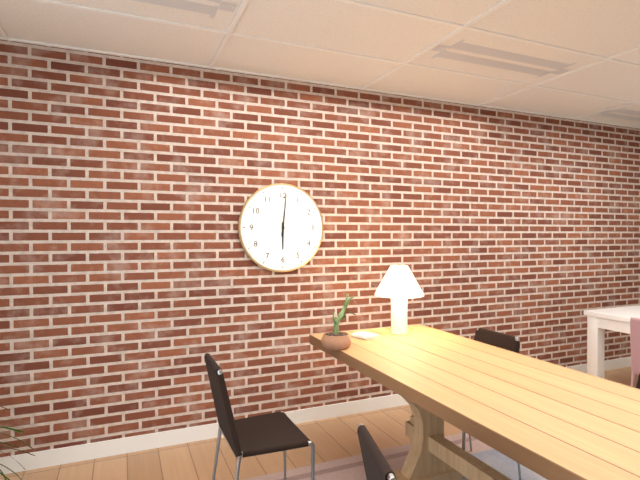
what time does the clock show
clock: 6:01
